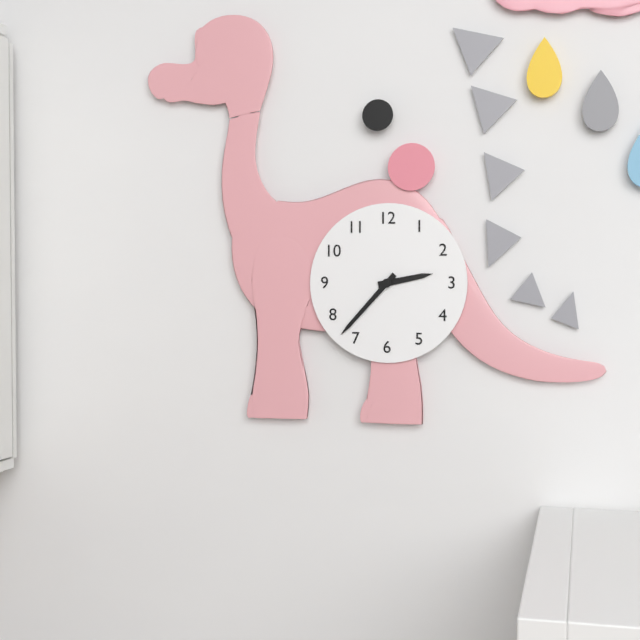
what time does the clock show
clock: 2:37
